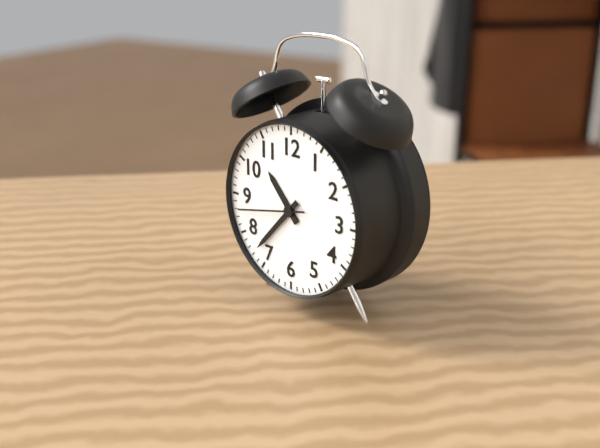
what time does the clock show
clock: 10:37:43
